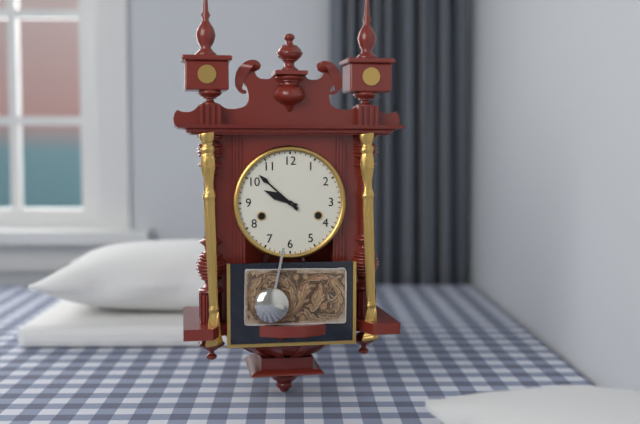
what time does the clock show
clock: 9:52
